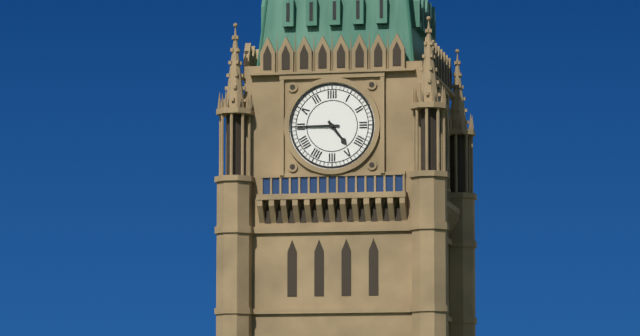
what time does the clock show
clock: 4:45
